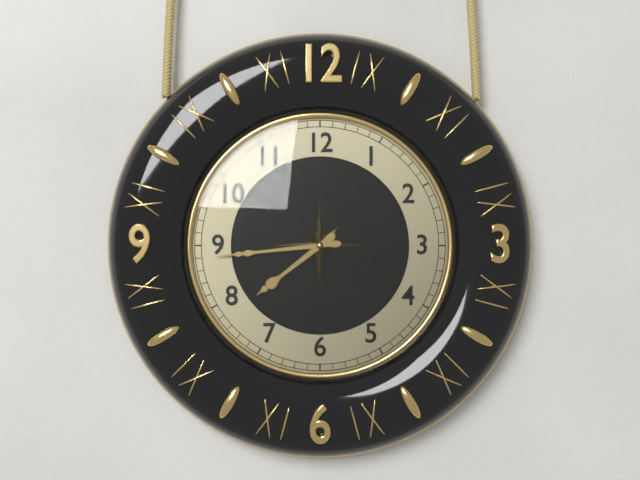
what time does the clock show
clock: 7:44
